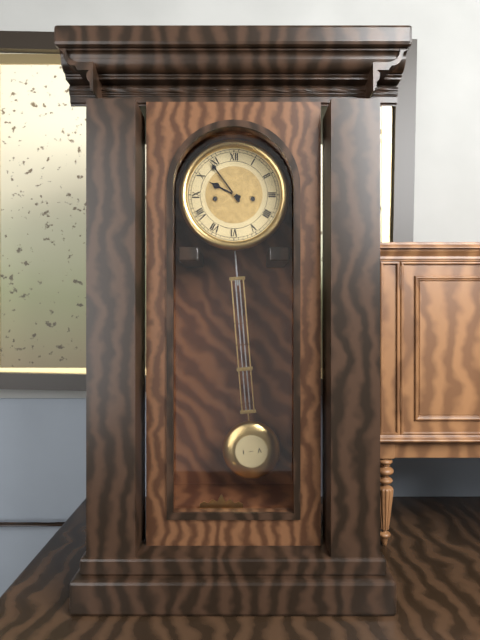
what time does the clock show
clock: 9:54
